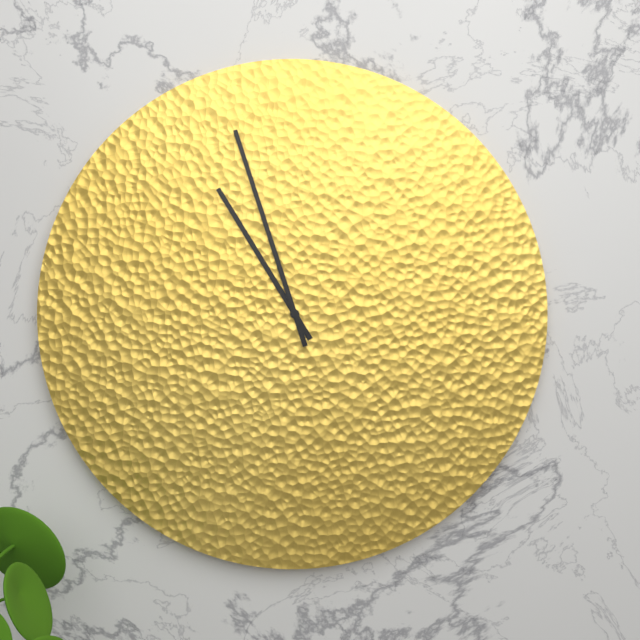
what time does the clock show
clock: 10:57
